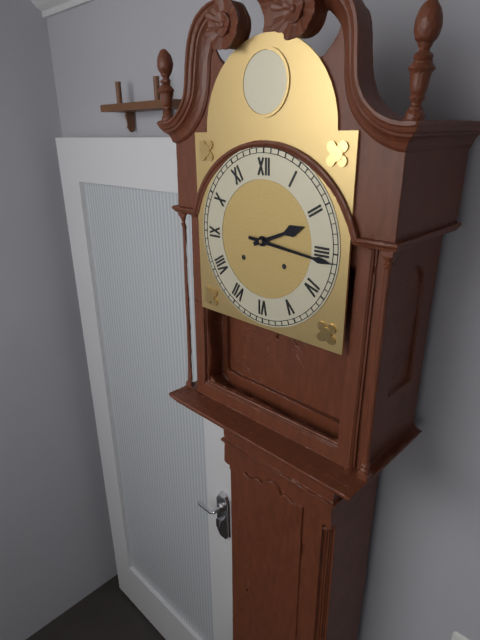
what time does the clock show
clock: 2:16
